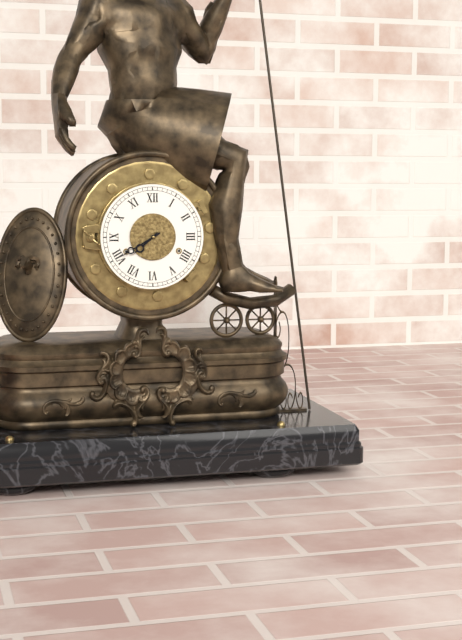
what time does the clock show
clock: 7:40
